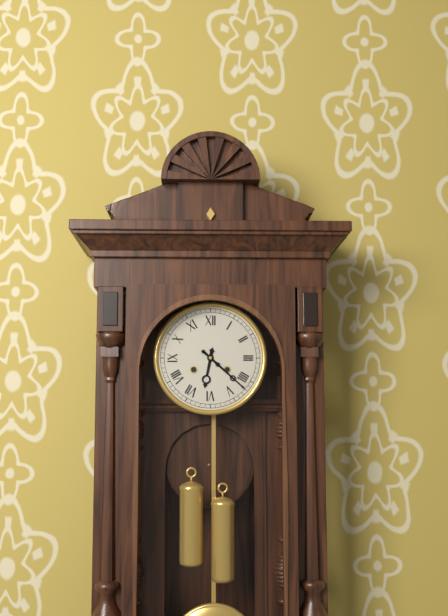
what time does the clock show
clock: 6:22
